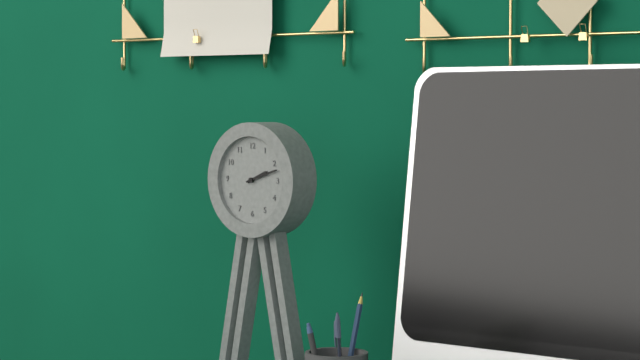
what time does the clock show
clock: 2:12
